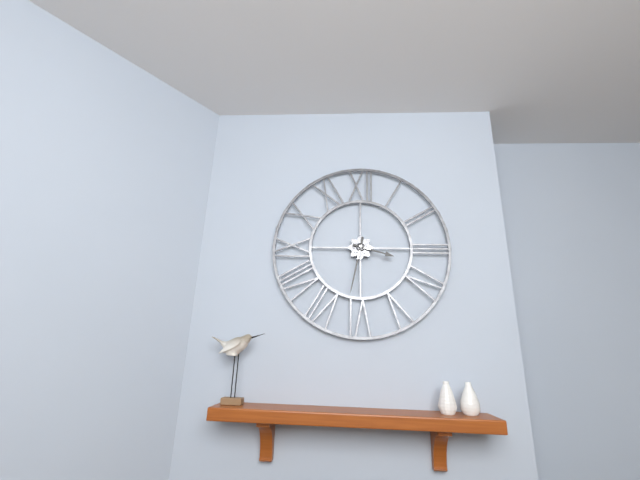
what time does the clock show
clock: 3:32
